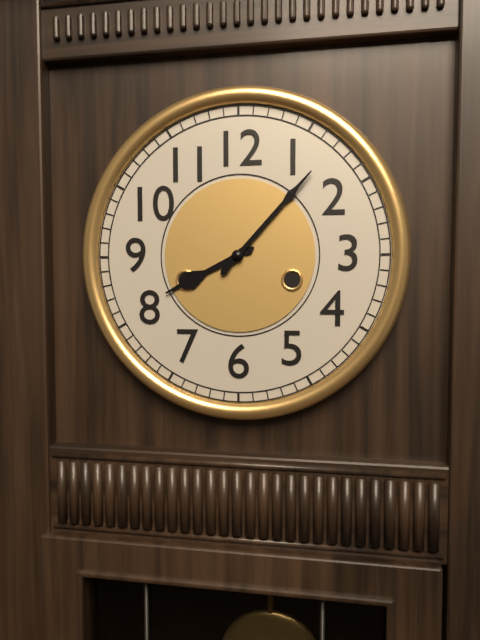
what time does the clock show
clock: 8:07
